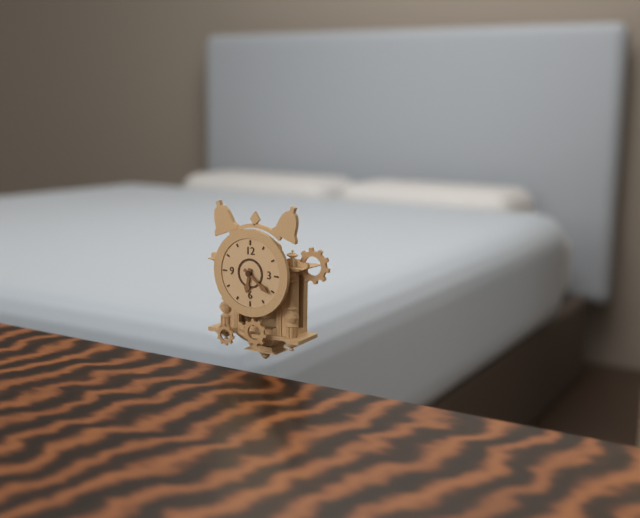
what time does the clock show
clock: 6:21
